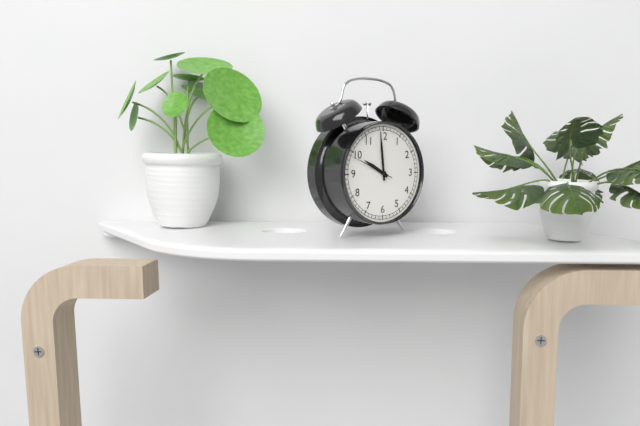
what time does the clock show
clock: 9:59
